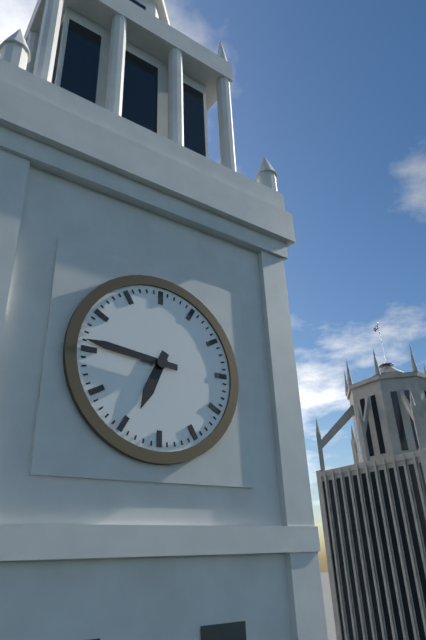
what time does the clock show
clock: 6:46
